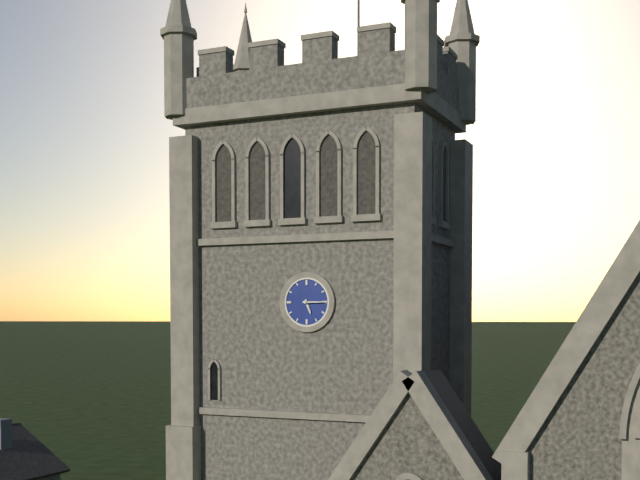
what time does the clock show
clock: 5:15
